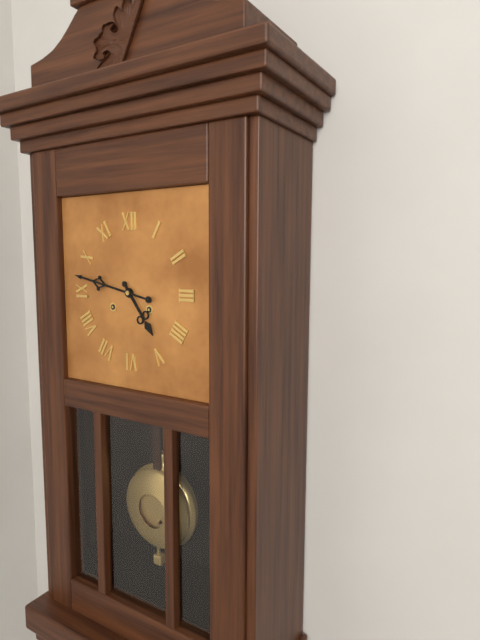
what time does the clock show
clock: 4:47
